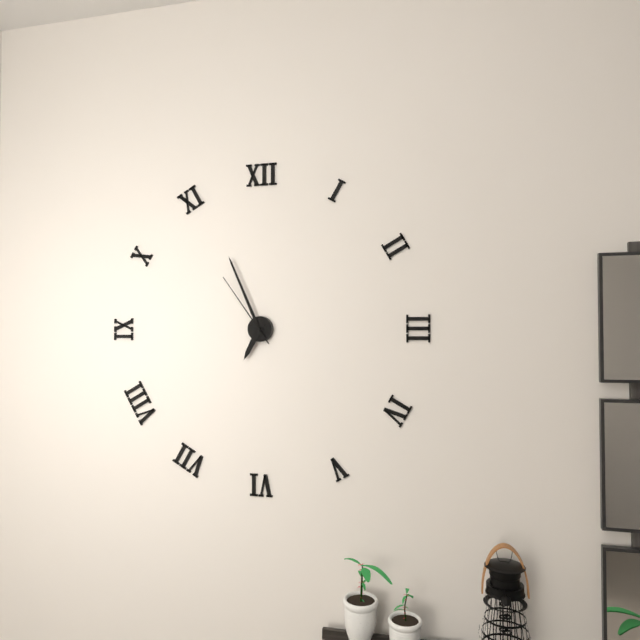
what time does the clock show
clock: 6:56:54
